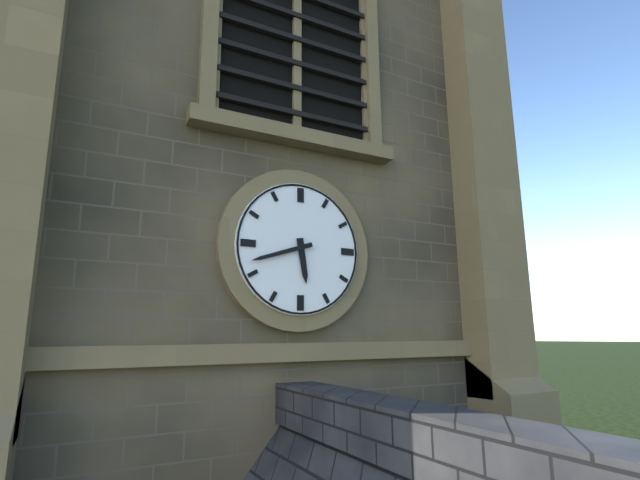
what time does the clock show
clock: 5:42
